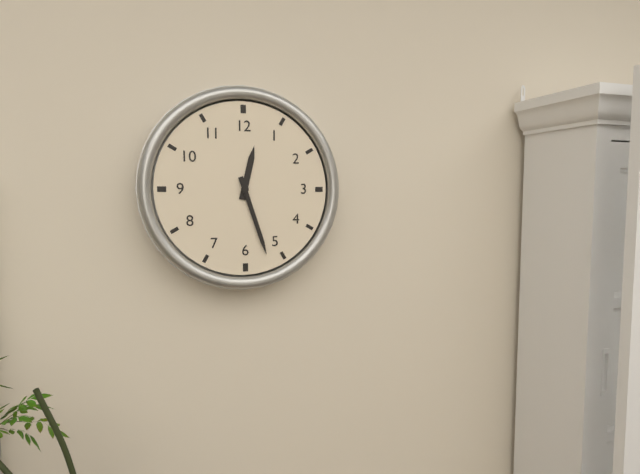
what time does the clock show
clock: 12:27
